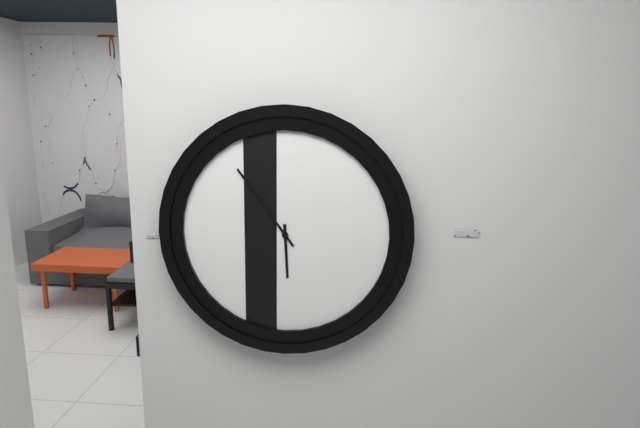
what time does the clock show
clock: 5:54
